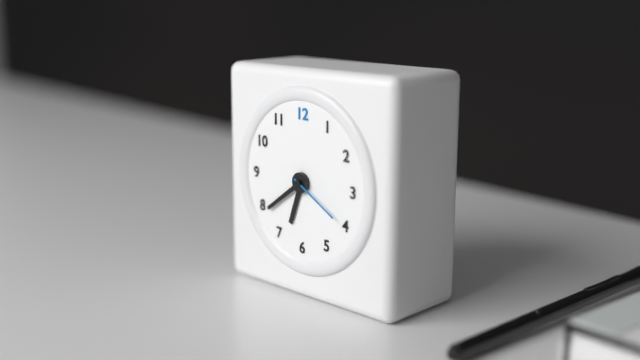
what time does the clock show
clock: 6:39:20
